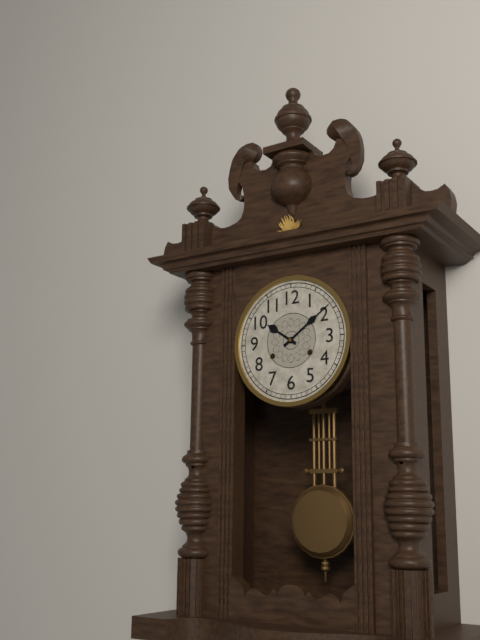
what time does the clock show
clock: 10:09
